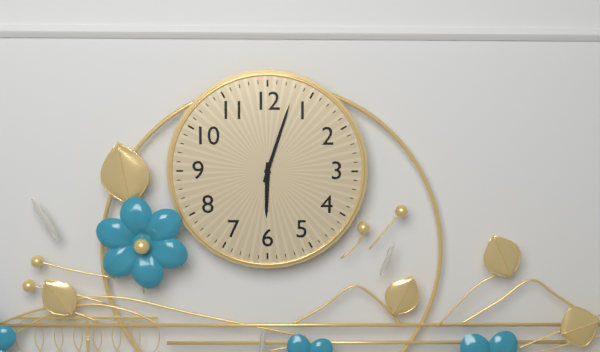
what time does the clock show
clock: 6:03
